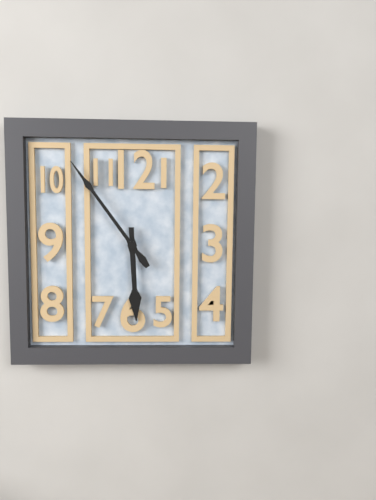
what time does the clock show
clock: 5:54
